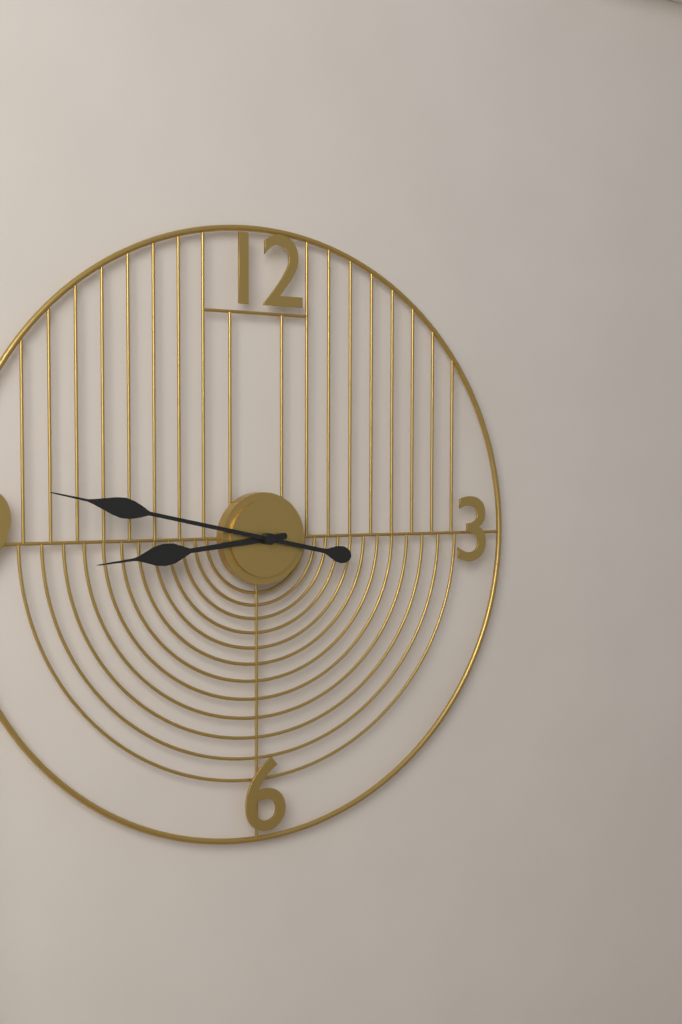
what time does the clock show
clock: 8:47
